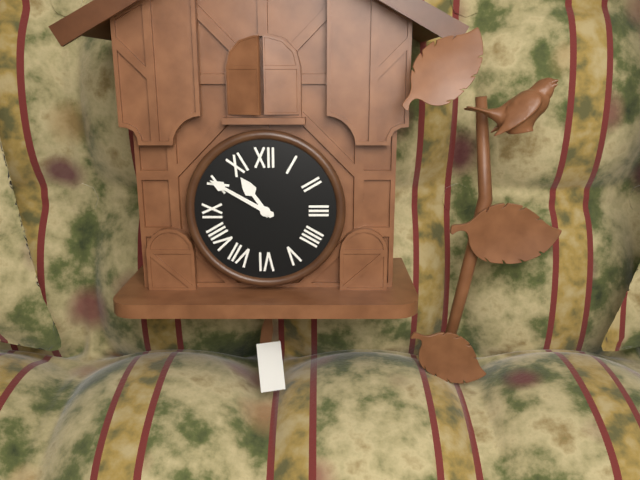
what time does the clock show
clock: 10:50
